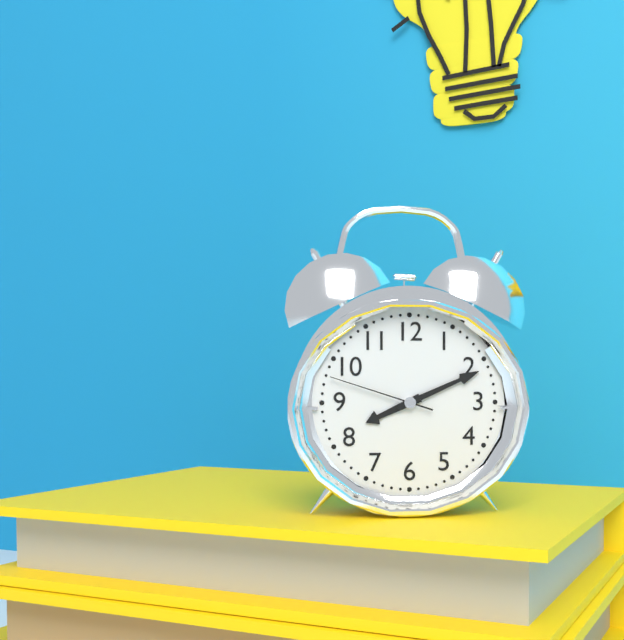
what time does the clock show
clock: 8:11:48
